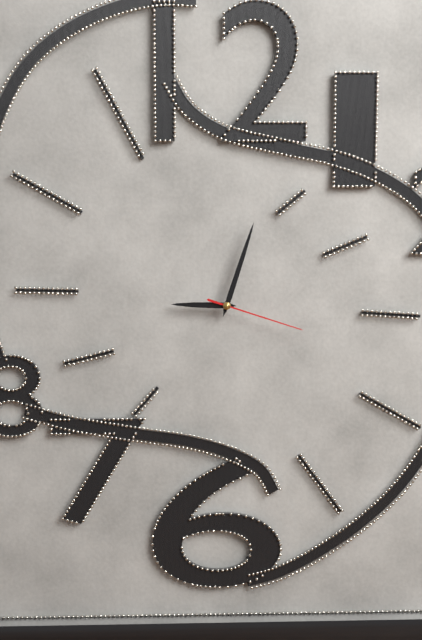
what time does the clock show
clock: 9:03:18
